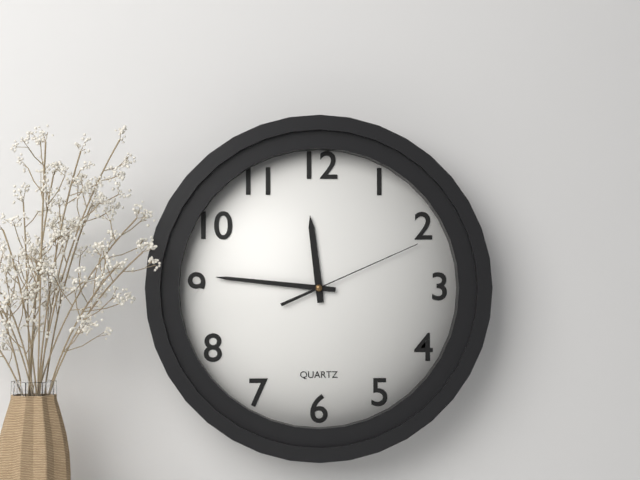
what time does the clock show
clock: 11:46:11
